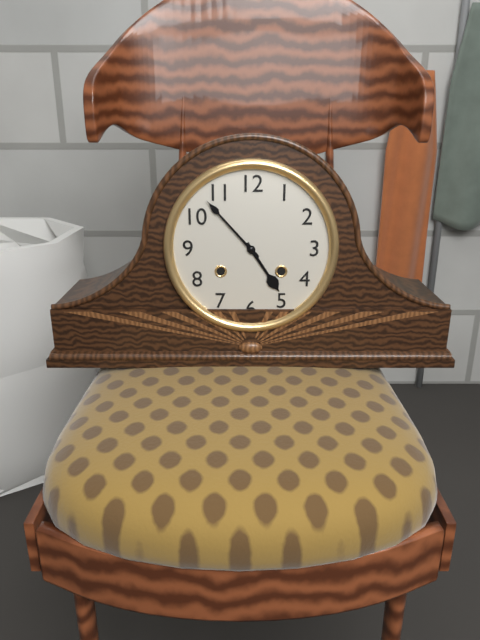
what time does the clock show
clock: 4:53
